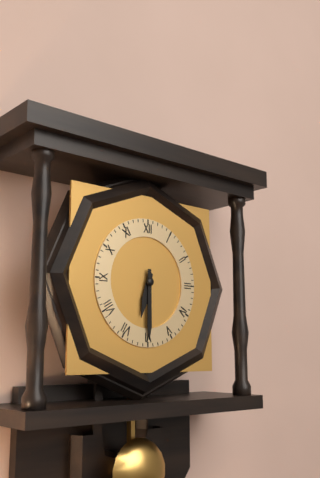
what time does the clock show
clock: 6:30
